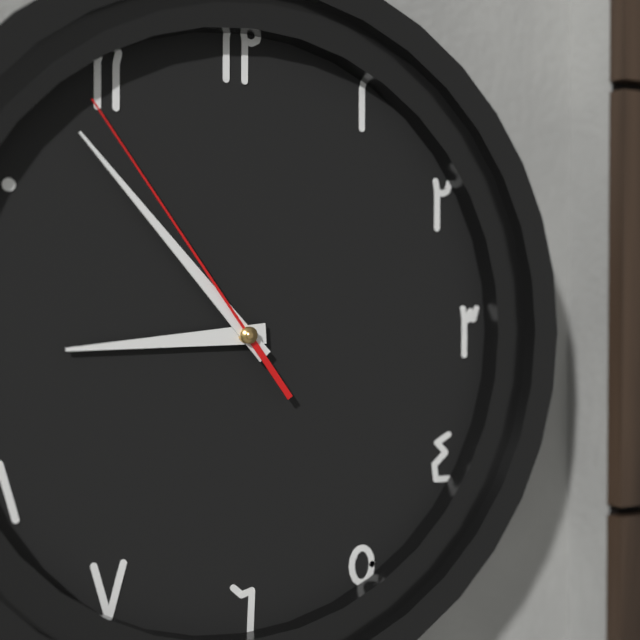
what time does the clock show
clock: 8:53:54
